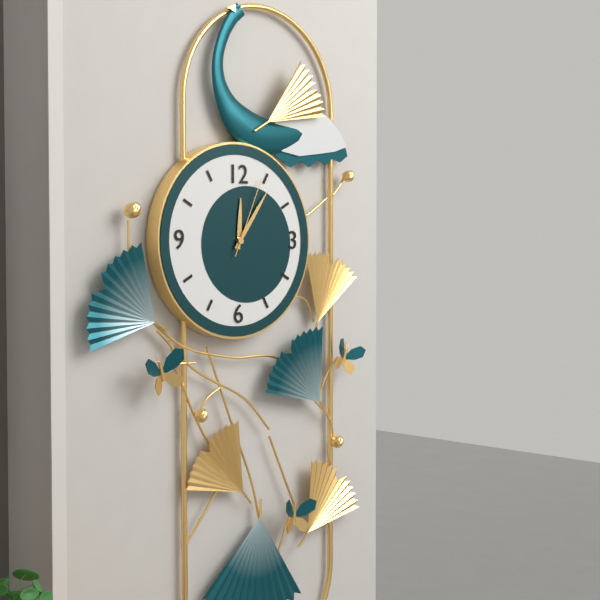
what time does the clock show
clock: 12:06:04
